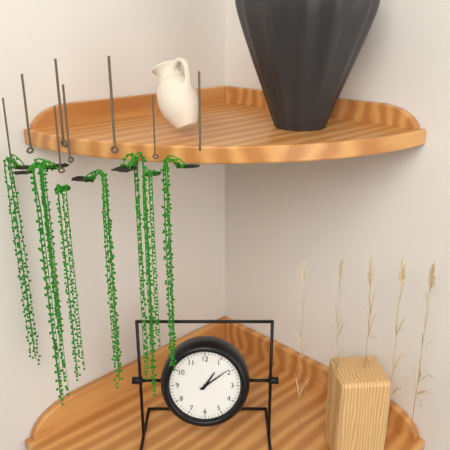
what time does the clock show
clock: 1:09
